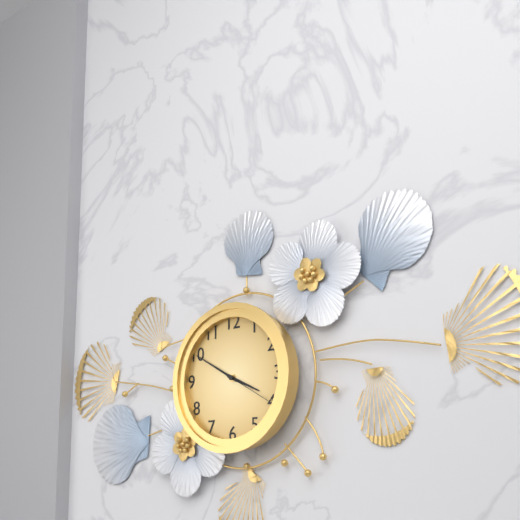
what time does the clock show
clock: 3:50:20
